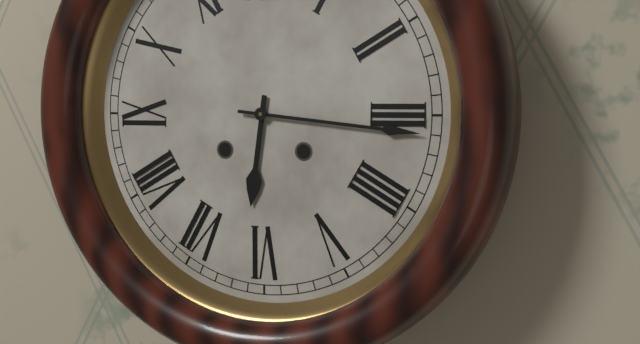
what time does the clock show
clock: 6:16
